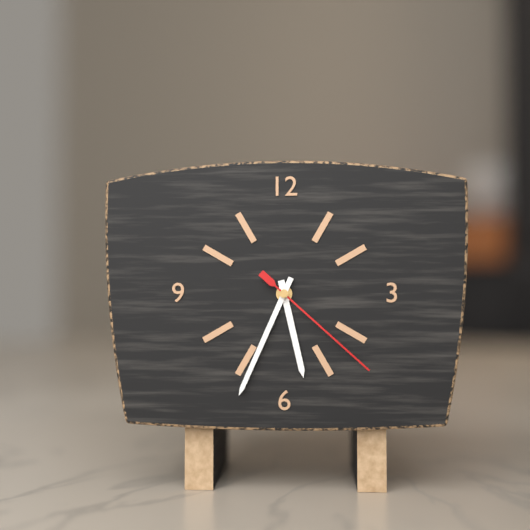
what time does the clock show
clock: 5:34:22
